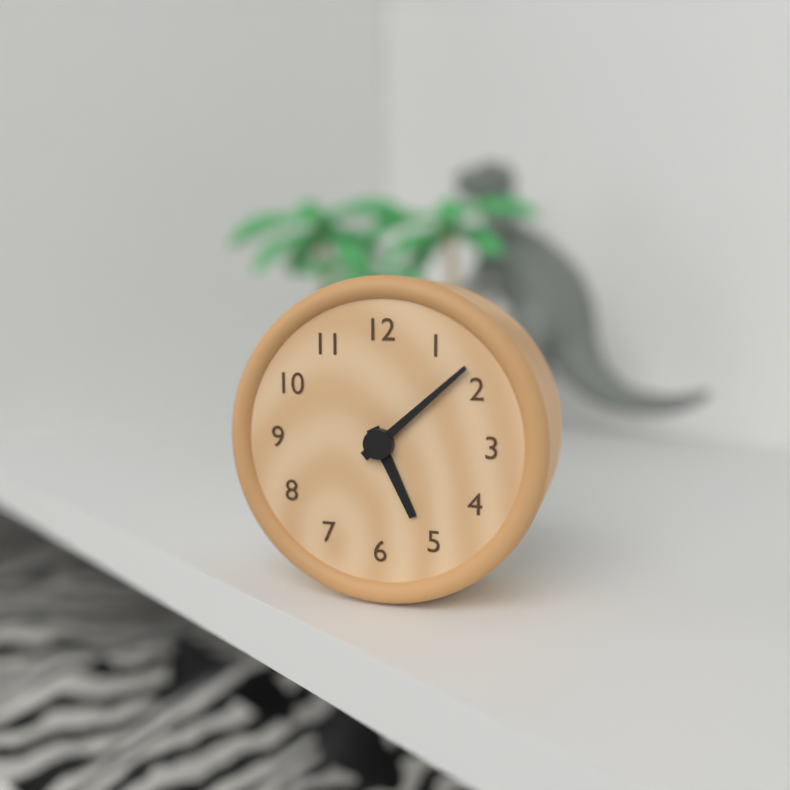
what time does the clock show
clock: 5:08
